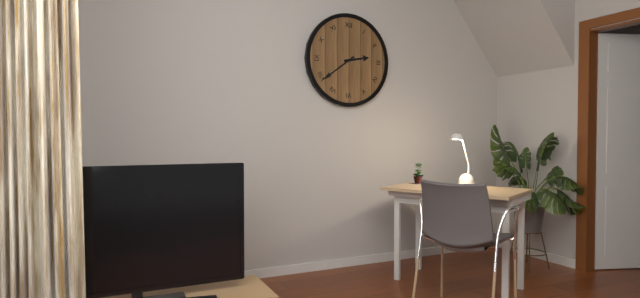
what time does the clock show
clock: 2:39
